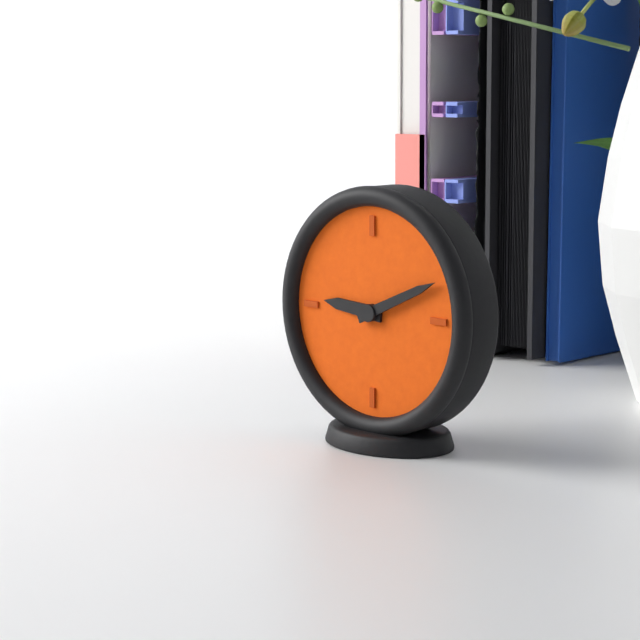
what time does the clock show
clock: 9:11
